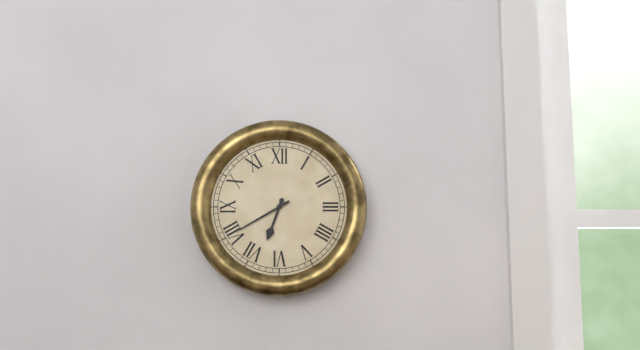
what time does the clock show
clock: 6:40
